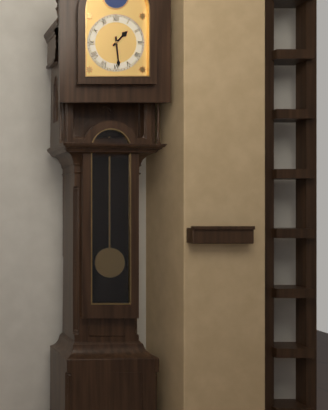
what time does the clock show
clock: 1:29
